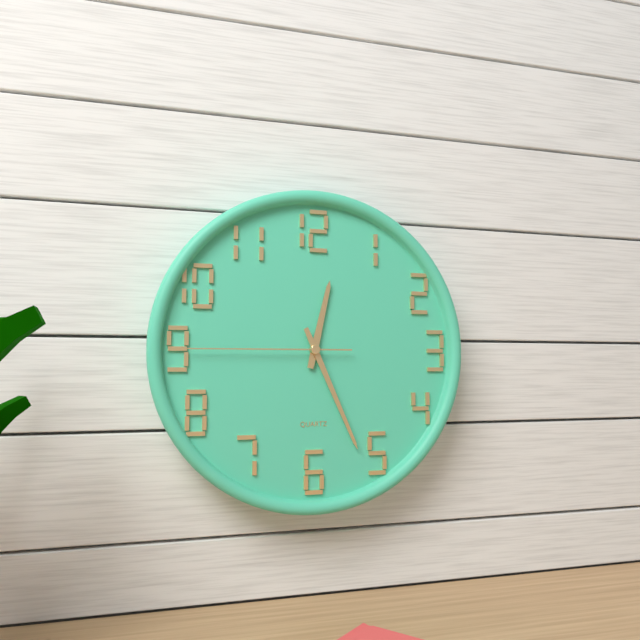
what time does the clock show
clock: 12:26:45
